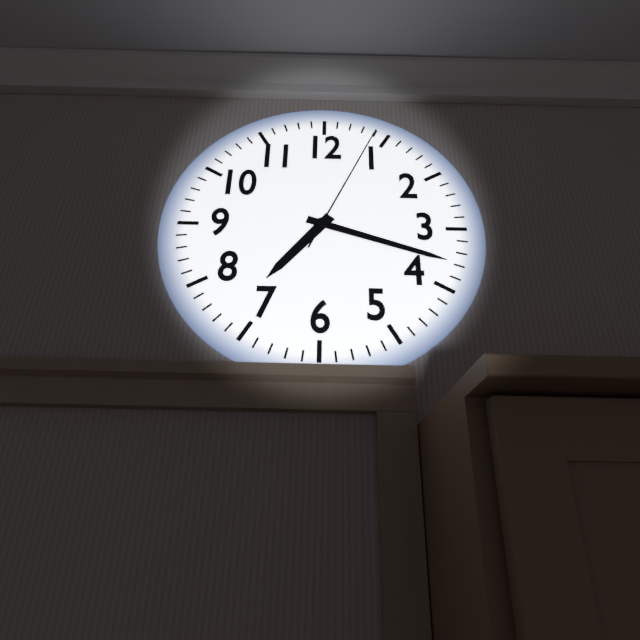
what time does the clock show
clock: 7:18:04
